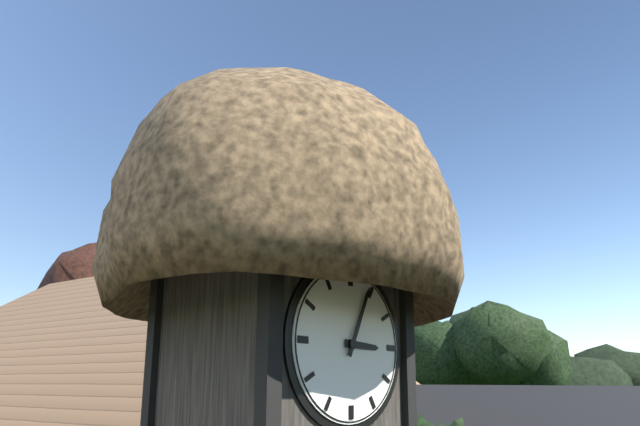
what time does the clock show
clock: 3:04
